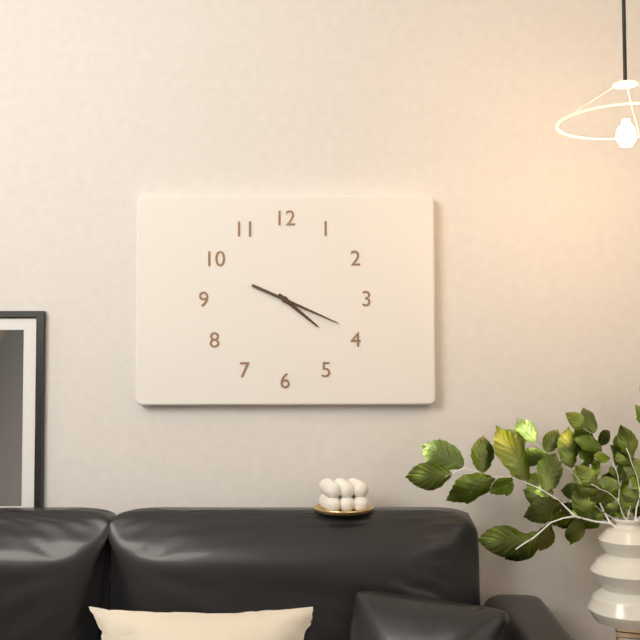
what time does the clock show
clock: 4:19
